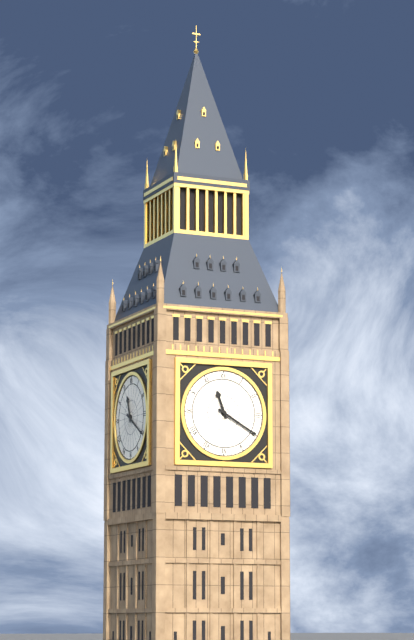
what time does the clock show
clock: 11:20
